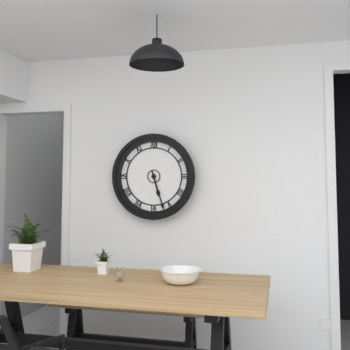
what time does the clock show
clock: 5:27
